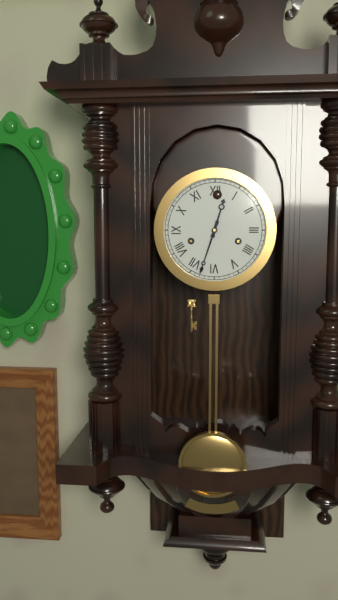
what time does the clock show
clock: 12:33
